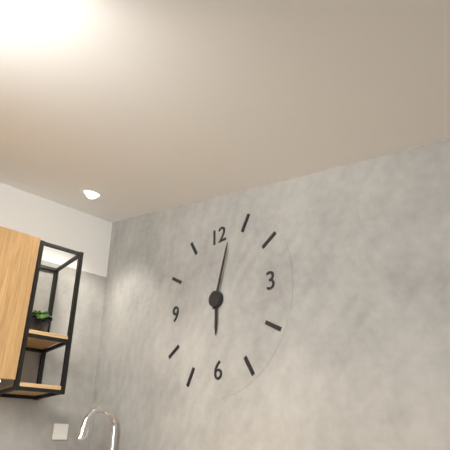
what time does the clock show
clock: 6:03
